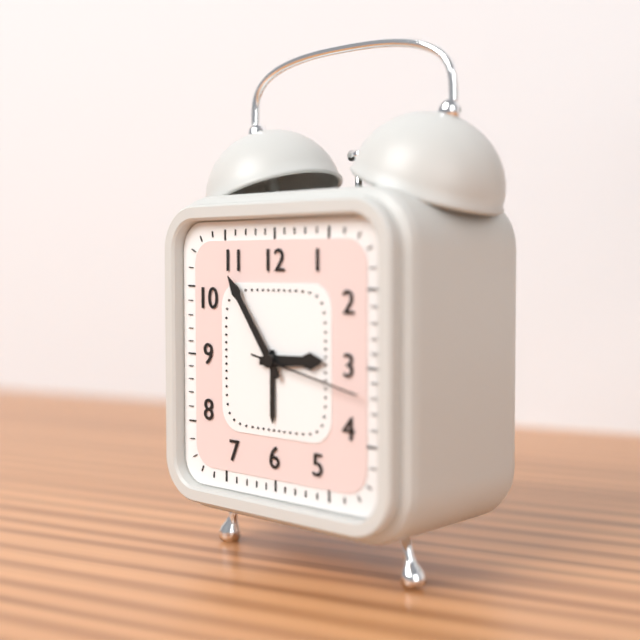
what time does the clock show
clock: 2:54:17
